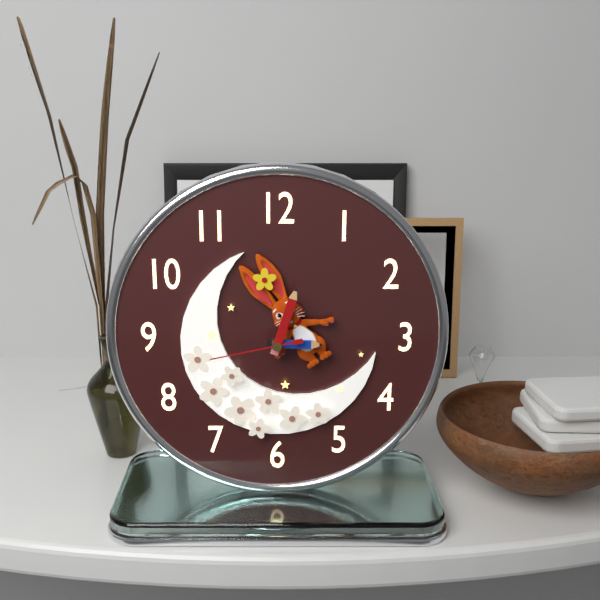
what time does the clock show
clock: 3:03:43
